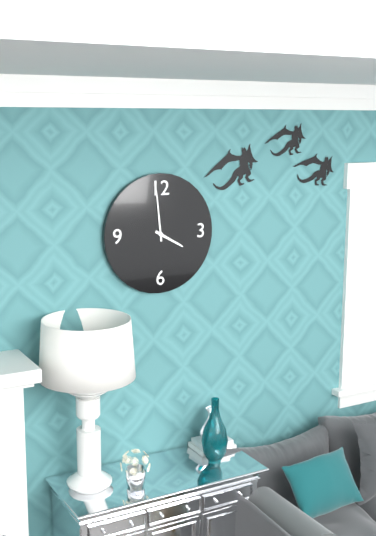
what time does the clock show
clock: 3:59
